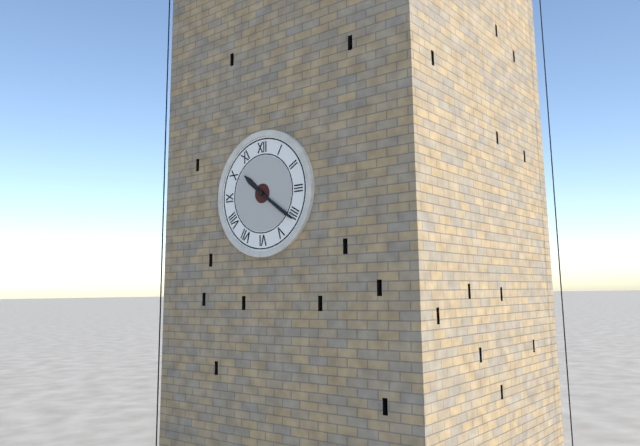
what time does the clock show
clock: 10:21
